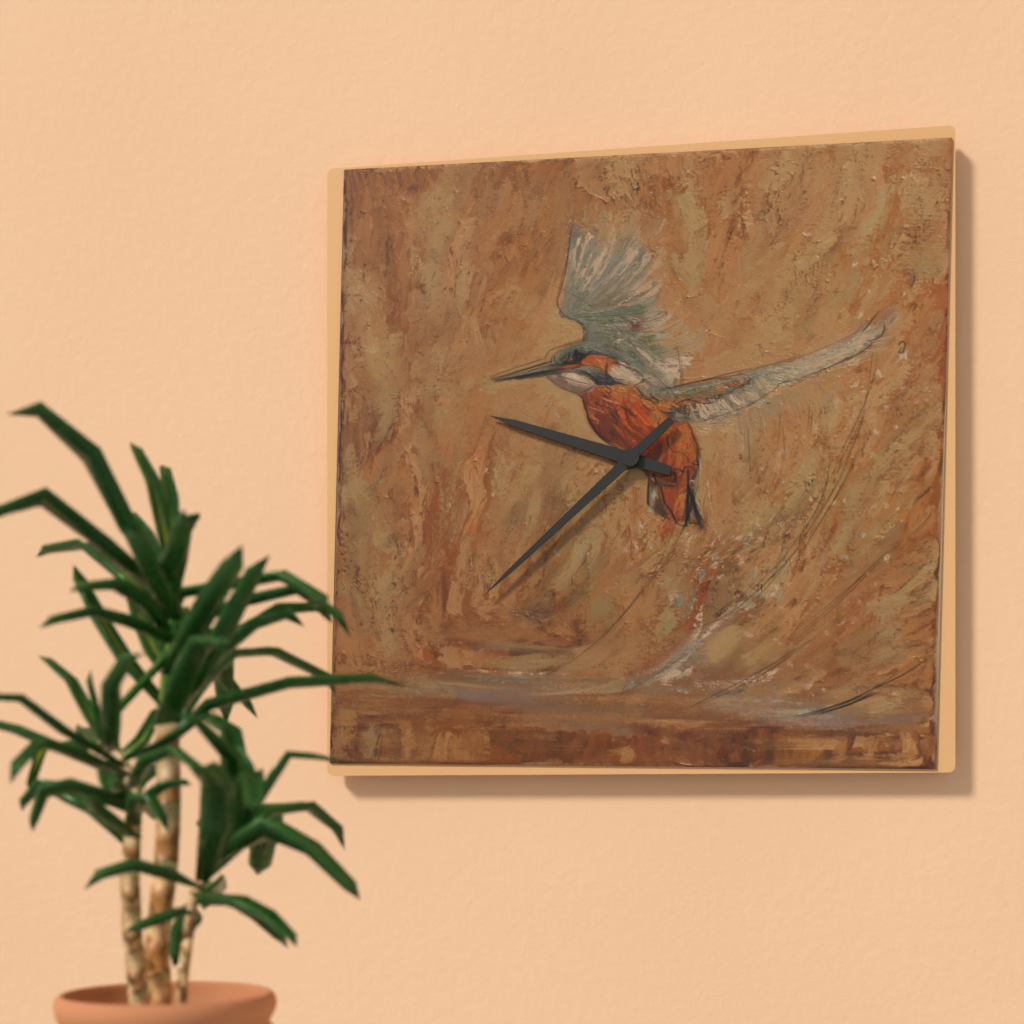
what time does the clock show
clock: 9:38
